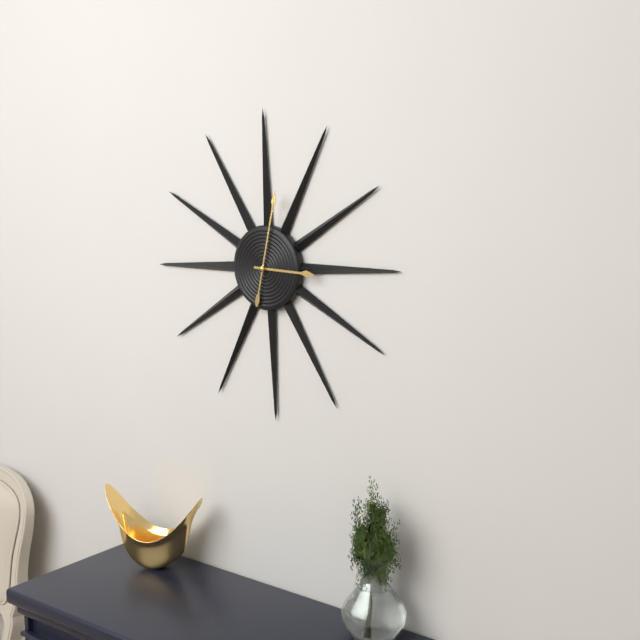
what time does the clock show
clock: 3:02
